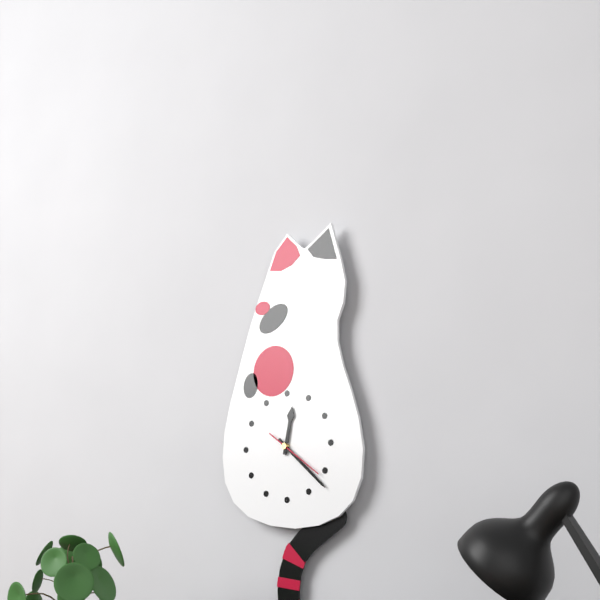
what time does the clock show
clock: 12:22:21
